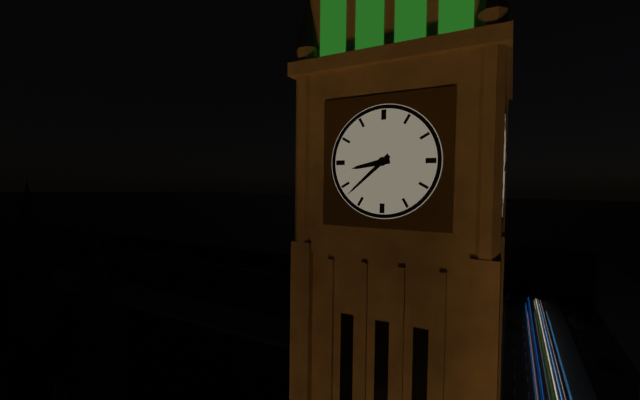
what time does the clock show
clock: 8:38
